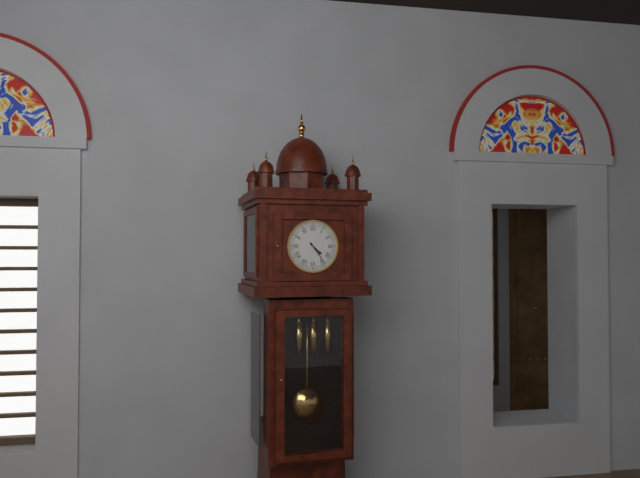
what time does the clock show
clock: 4:24
